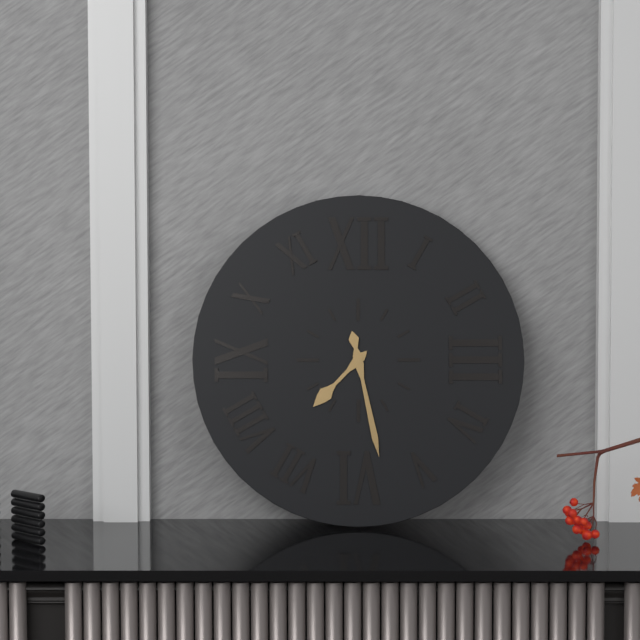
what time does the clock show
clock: 7:28
